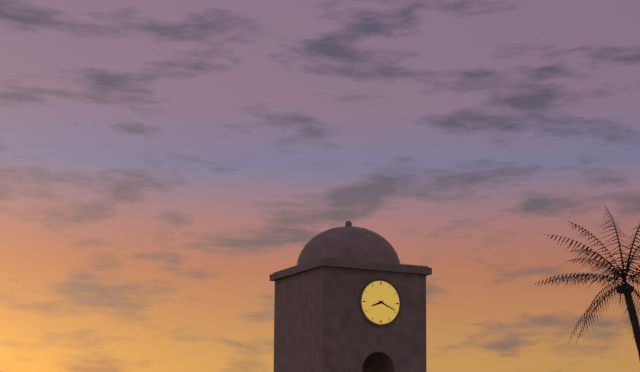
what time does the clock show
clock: 8:19
